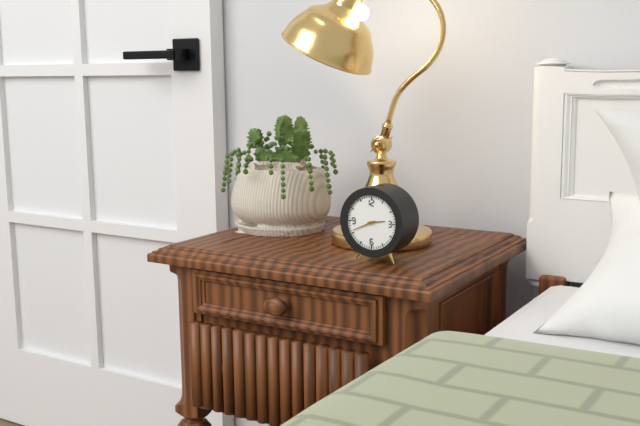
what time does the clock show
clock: 2:41
